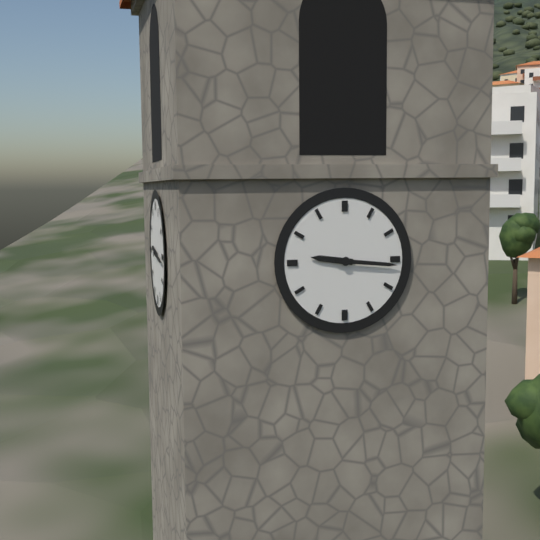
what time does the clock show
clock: 9:16
